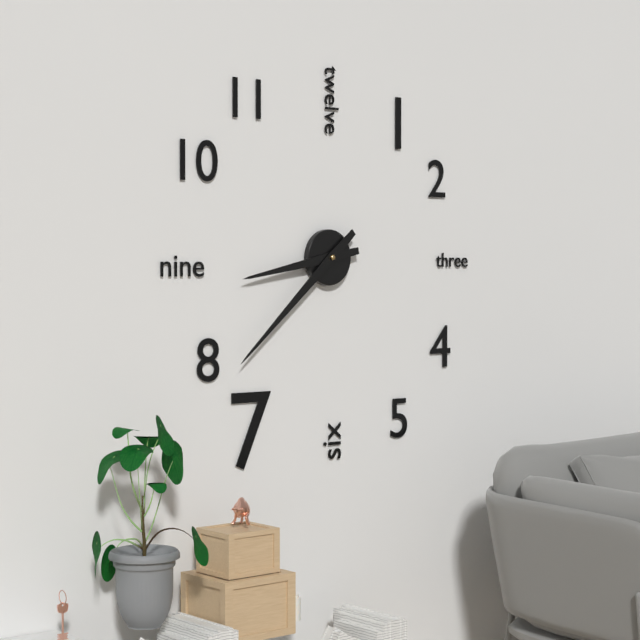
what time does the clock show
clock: 8:38
